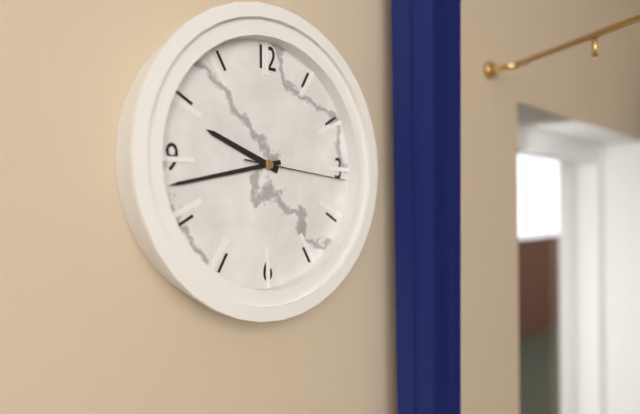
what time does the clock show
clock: 9:43:16
